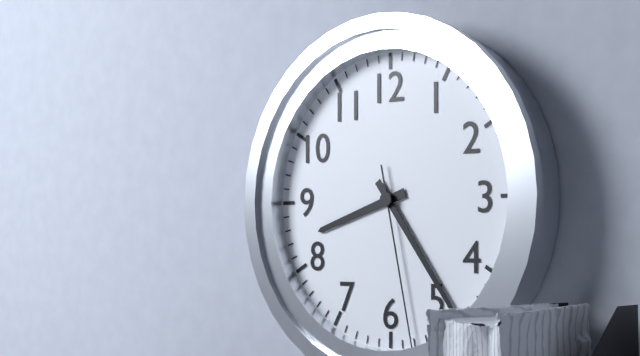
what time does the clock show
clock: 8:24:28
